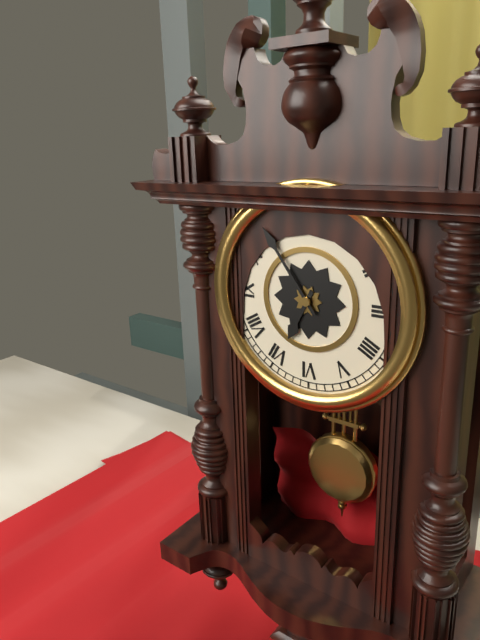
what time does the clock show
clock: 6:54
